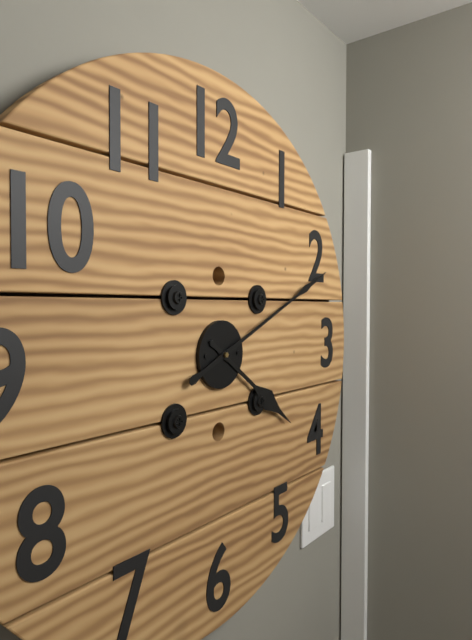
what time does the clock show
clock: 4:11
